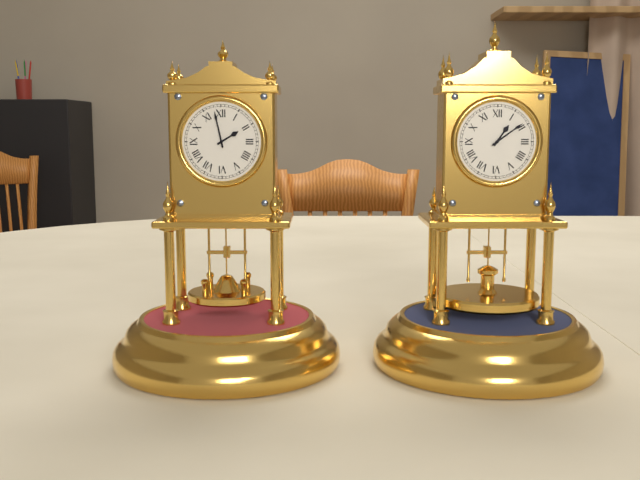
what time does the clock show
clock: 1:58
